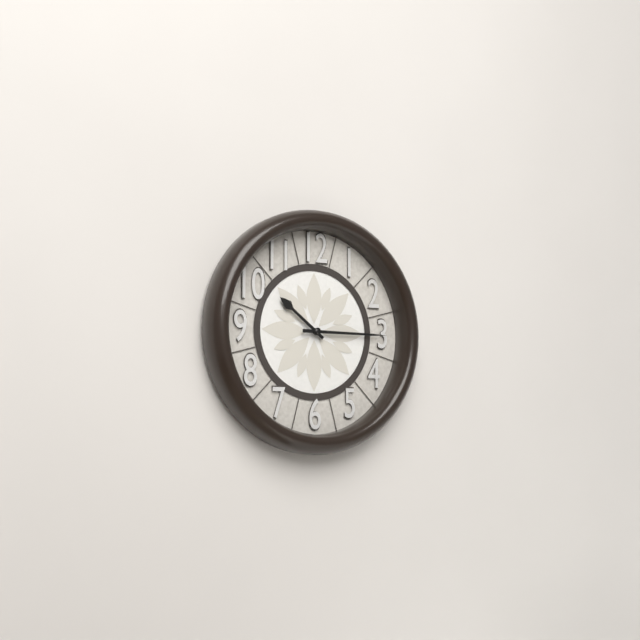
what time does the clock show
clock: 10:15
